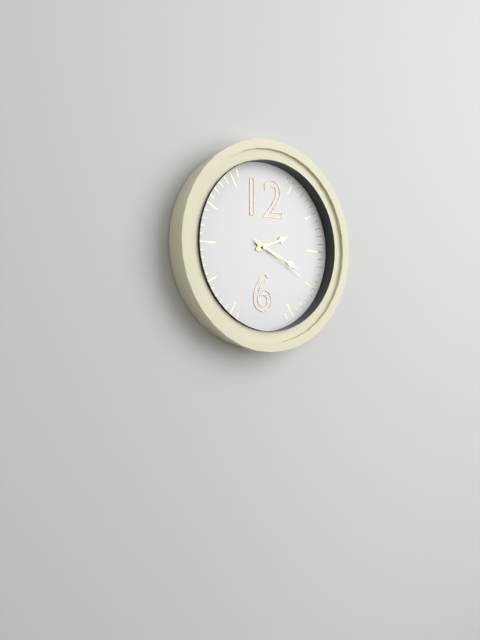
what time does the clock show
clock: 2:19:20
